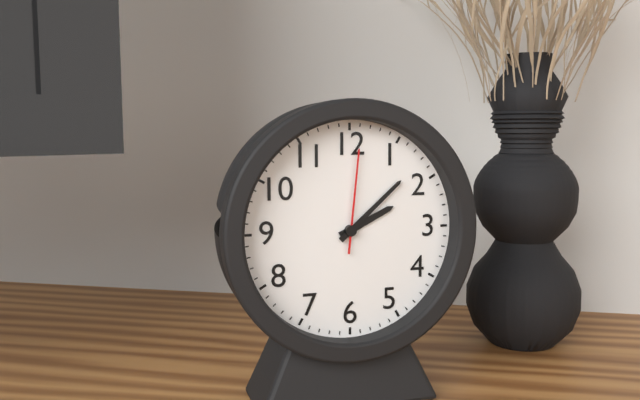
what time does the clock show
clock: 2:08:01
